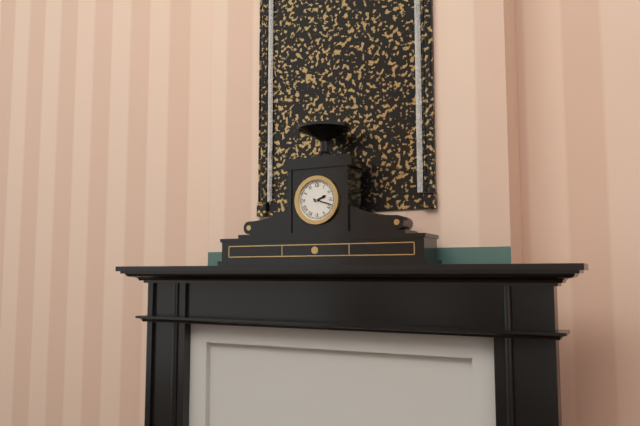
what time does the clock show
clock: 2:18
